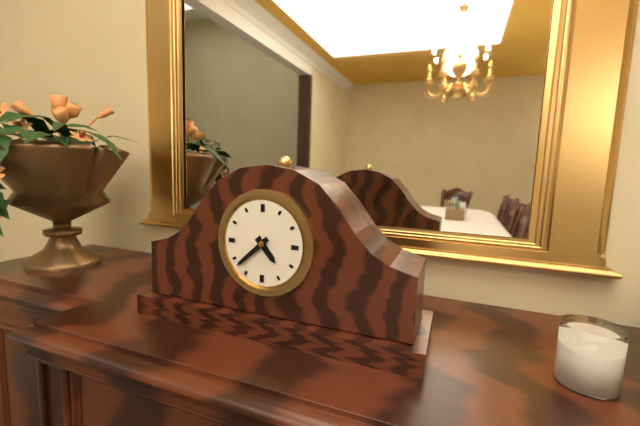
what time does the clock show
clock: 4:38
